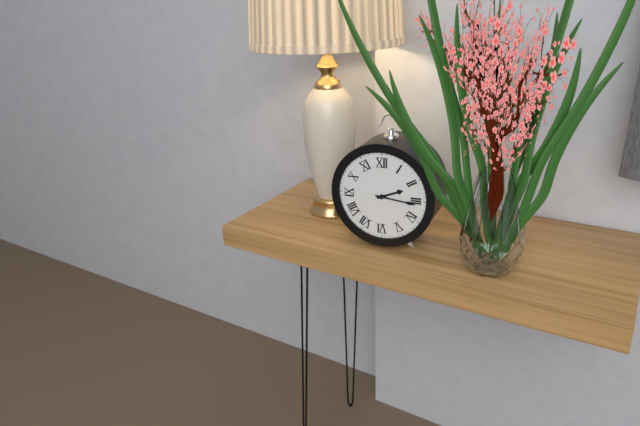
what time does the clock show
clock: 2:16
